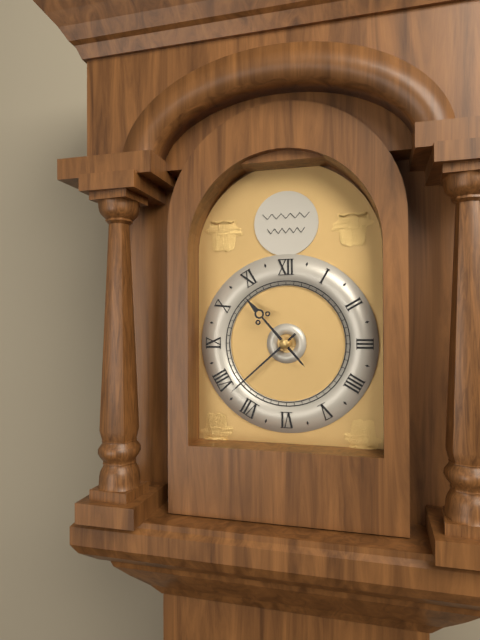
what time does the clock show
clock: 10:38
